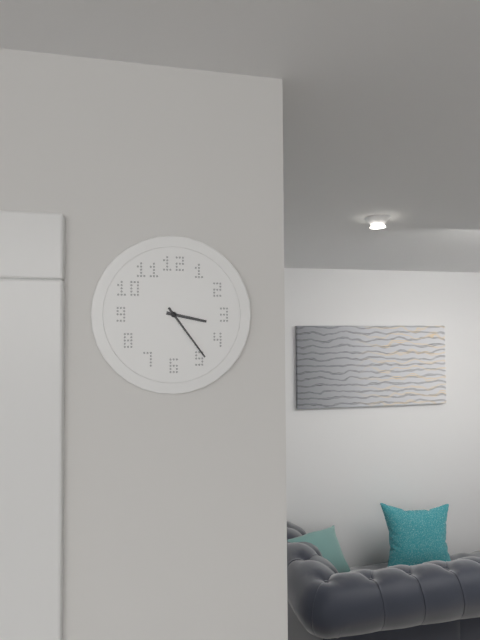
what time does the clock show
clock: 3:24
